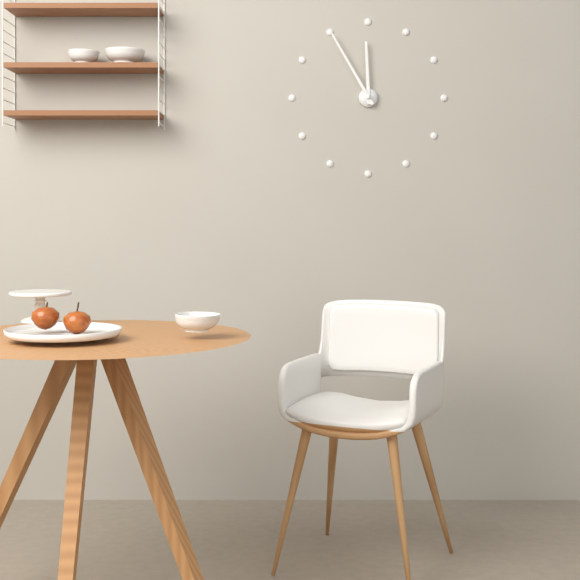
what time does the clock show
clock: 11:55
